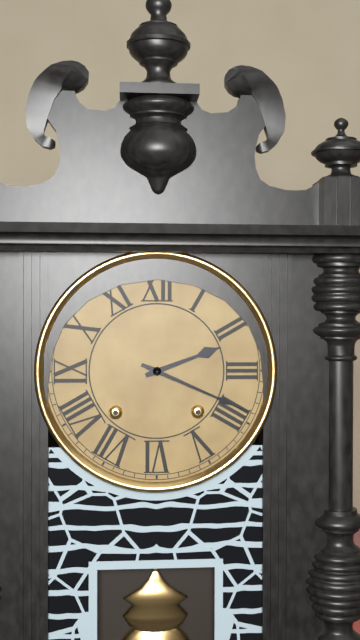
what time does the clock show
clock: 2:19
